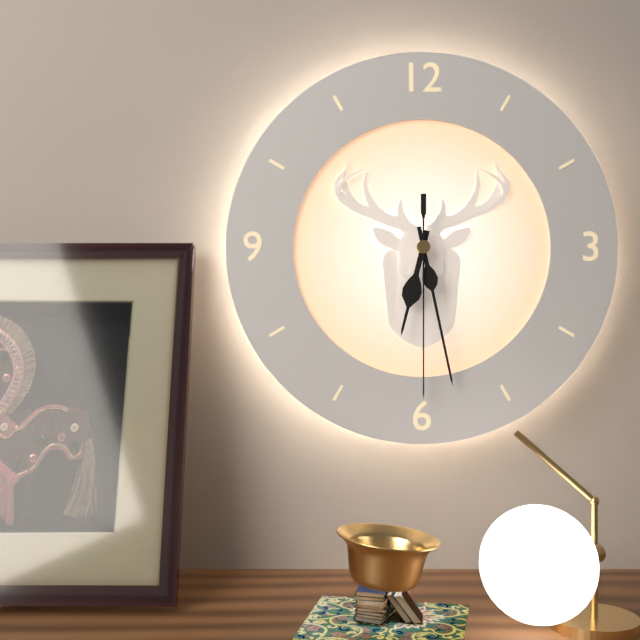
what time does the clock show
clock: 6:28:30
